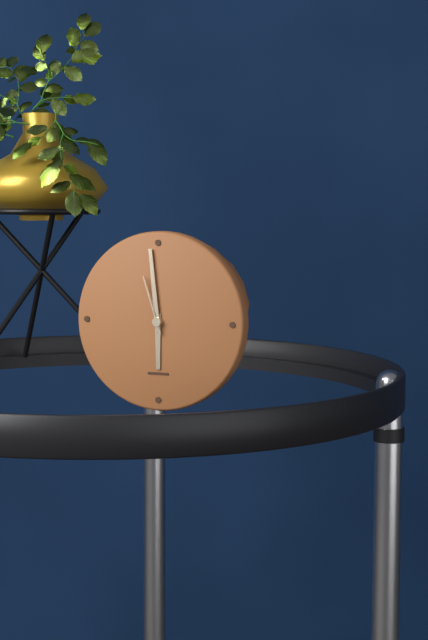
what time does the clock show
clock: 5:59:57
